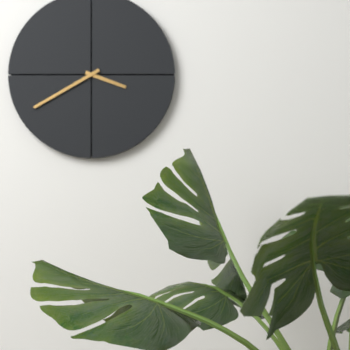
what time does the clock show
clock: 3:40
